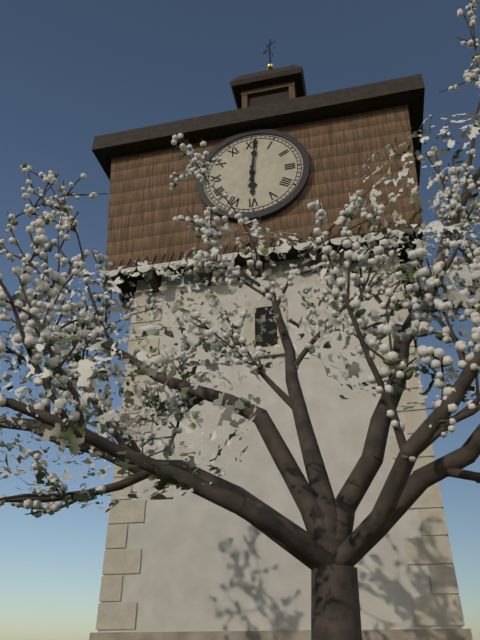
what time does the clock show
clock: 6:01
